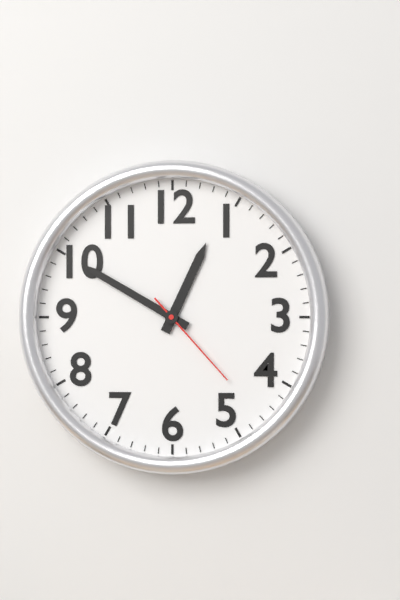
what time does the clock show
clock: 12:50:23
